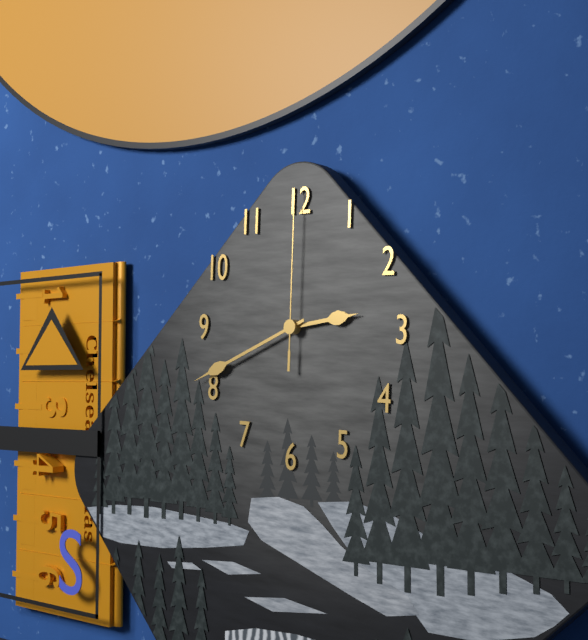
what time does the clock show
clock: 2:41:00
